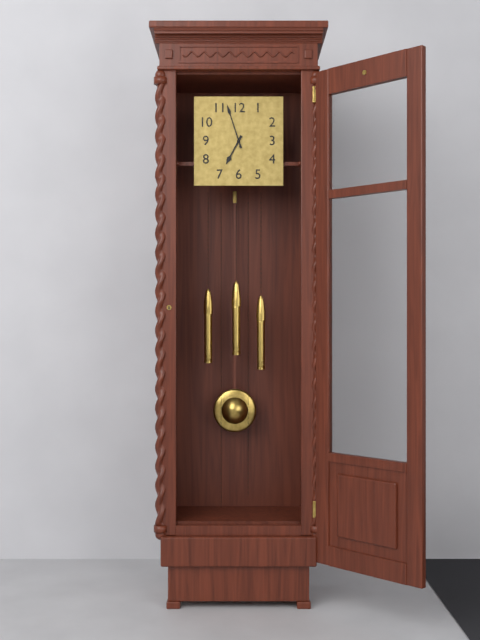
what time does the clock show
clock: 6:57
